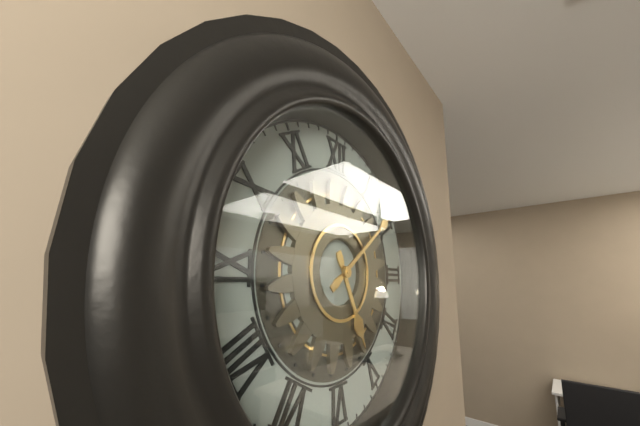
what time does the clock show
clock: 5:09
